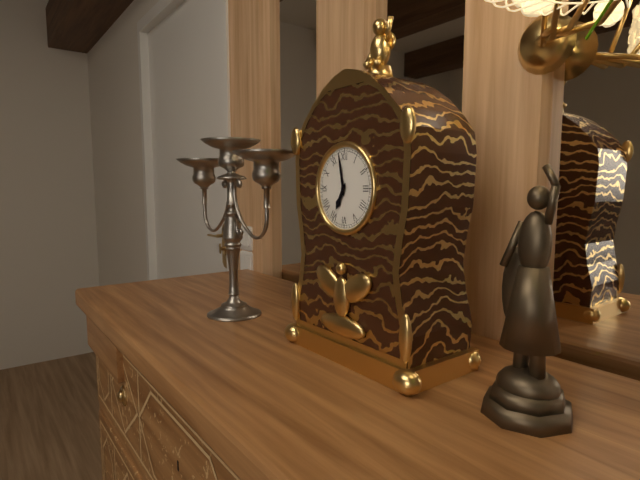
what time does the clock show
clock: 6:58
